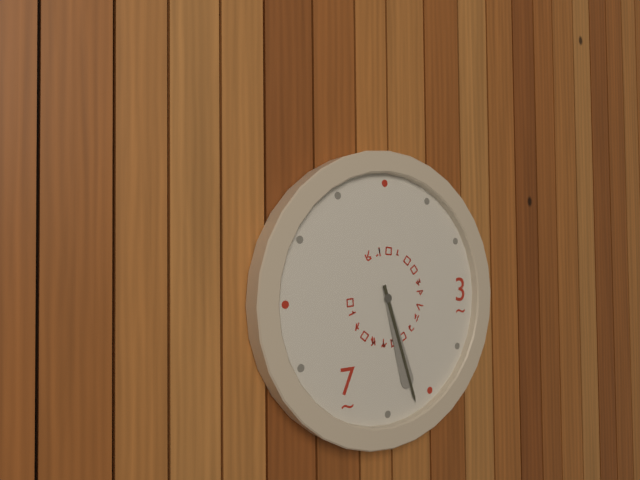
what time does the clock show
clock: 5:27
